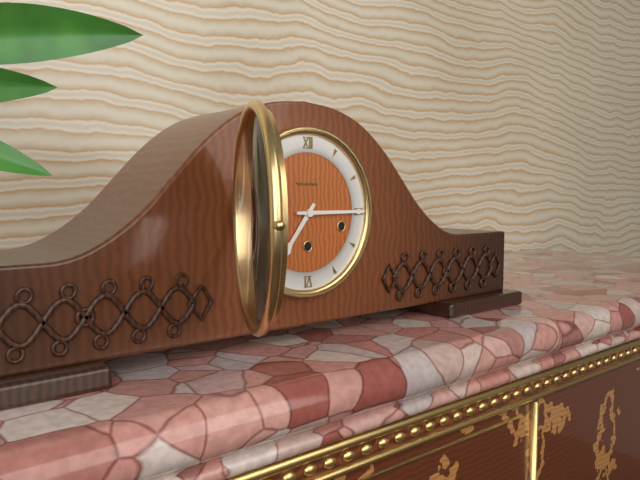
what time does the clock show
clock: 7:15
